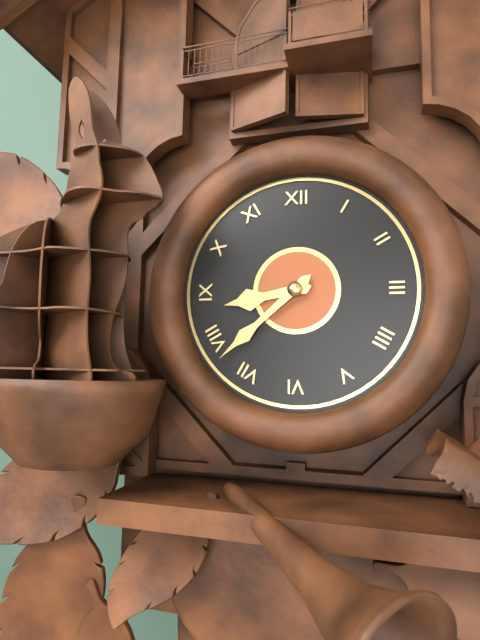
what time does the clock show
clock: 8:38
